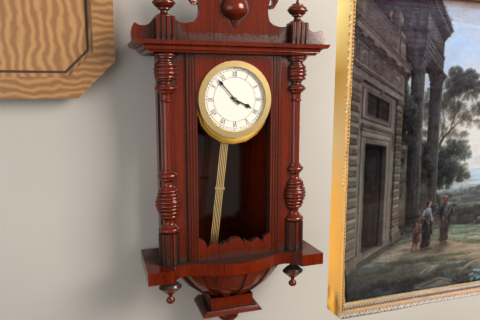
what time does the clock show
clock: 3:53
